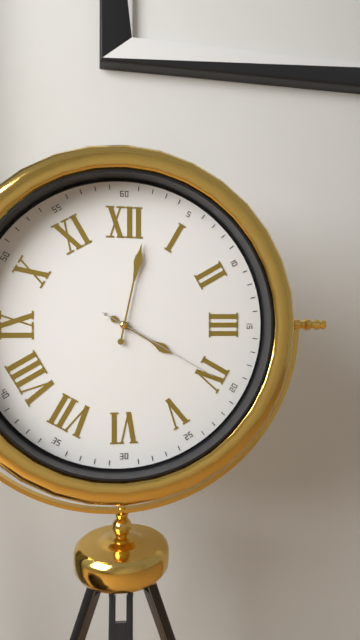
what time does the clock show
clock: 4:02:20
